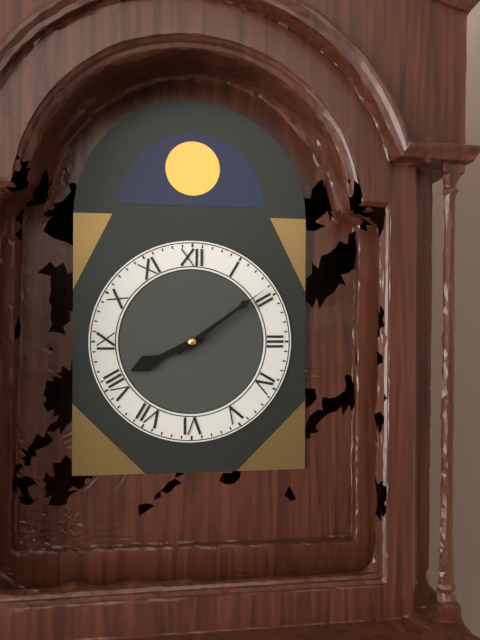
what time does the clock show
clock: 8:09
